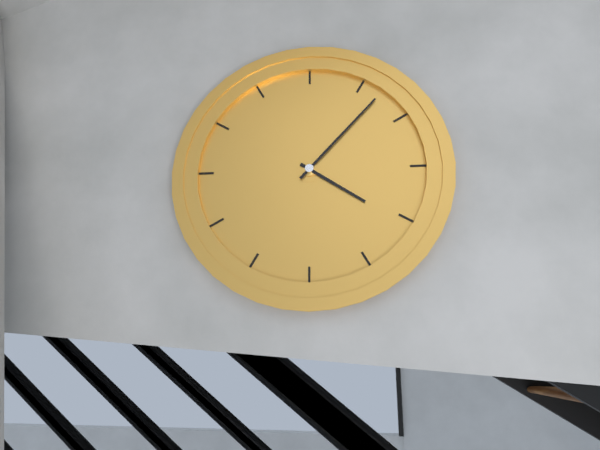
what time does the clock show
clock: 4:07
